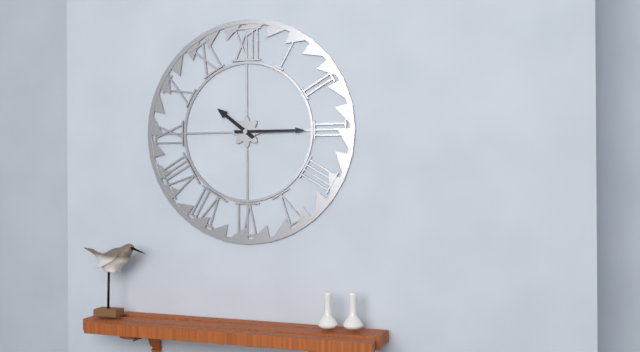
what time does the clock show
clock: 10:15
